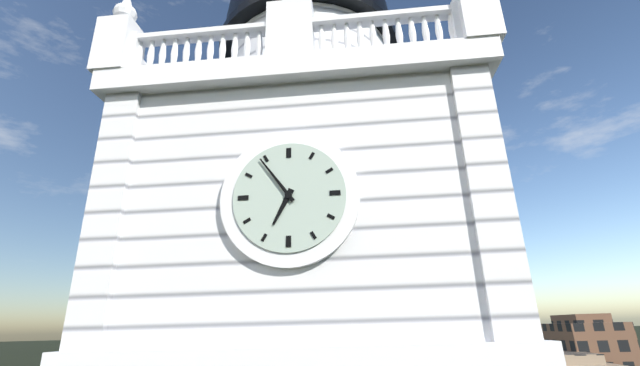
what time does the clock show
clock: 6:54
